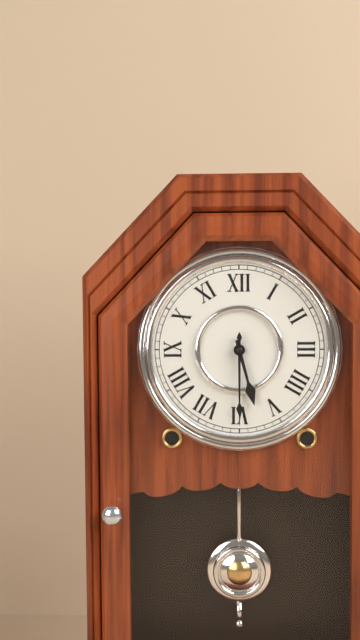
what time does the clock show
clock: 5:30
